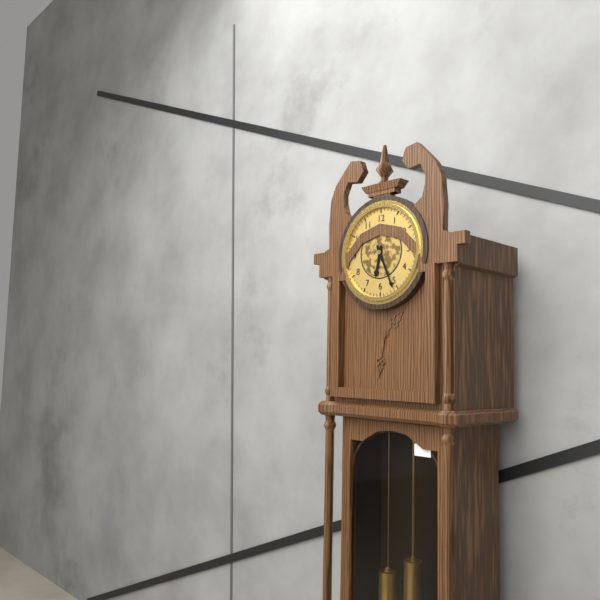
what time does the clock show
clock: 6:26
